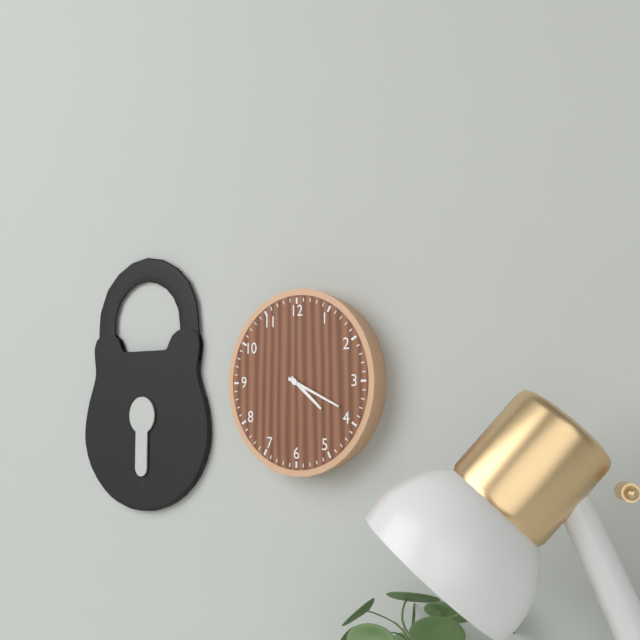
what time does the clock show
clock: 4:19
